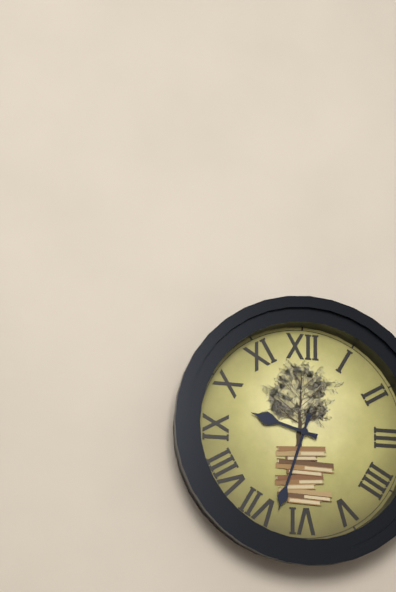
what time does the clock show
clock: 9:33
